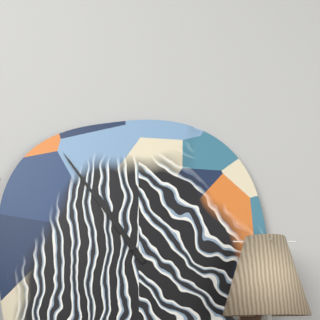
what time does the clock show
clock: 10:54
